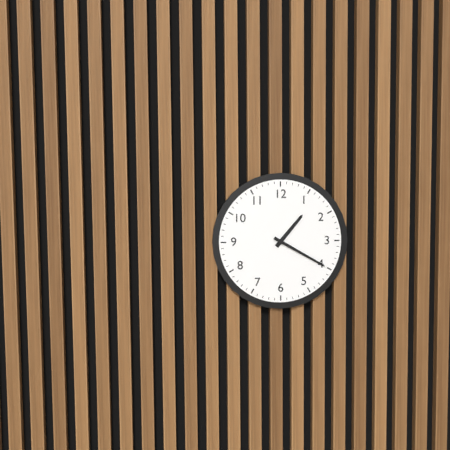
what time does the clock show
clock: 1:20
